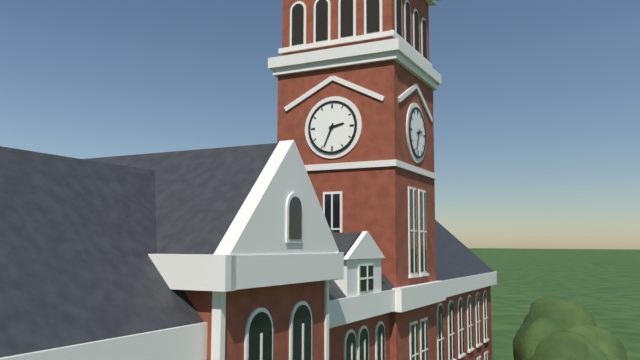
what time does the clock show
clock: 2:34
